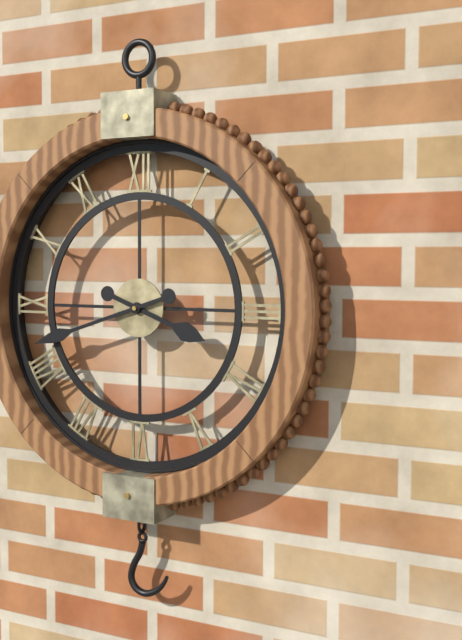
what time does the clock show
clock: 3:42
